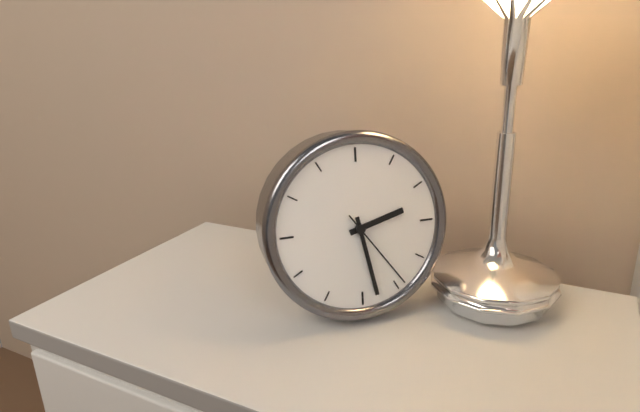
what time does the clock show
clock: 2:28:24
